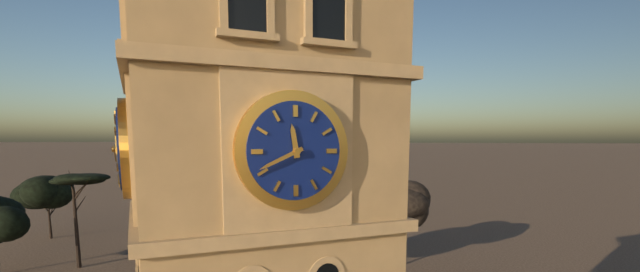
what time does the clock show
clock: 11:41
